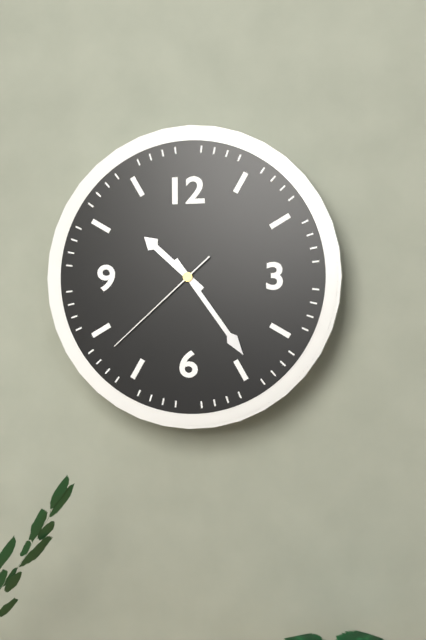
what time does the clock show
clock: 10:24:38
